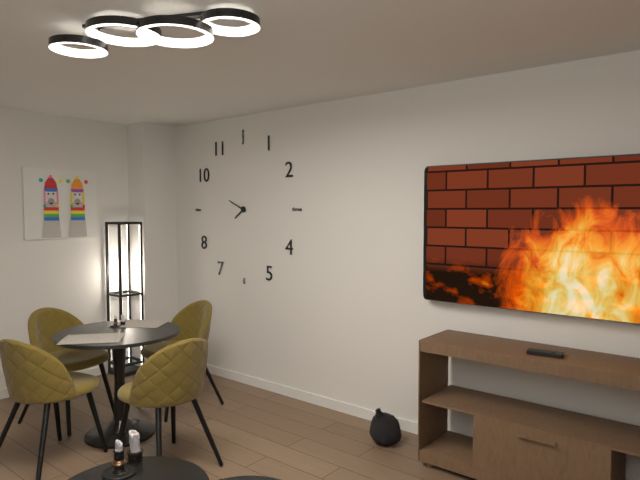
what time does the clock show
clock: 7:49
